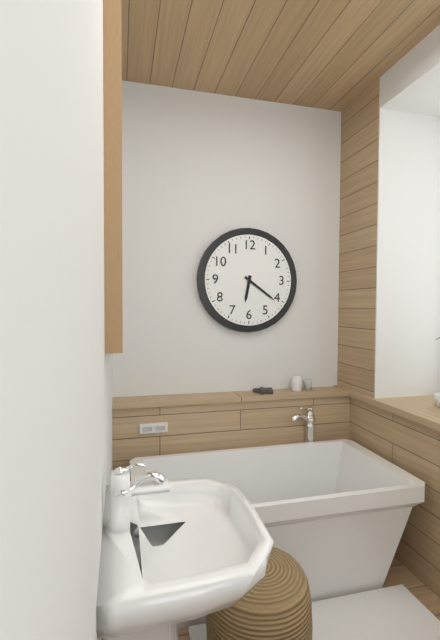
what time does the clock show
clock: 6:21
